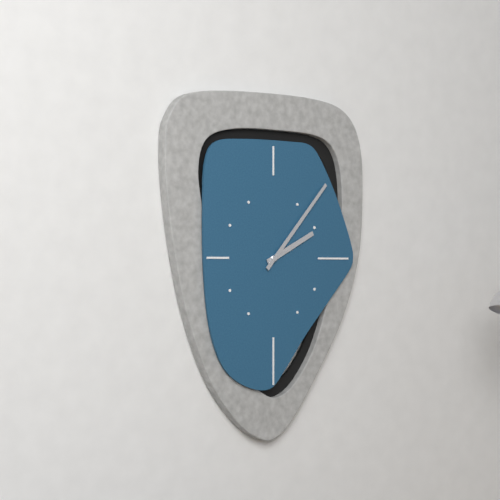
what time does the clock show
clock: 2:07
